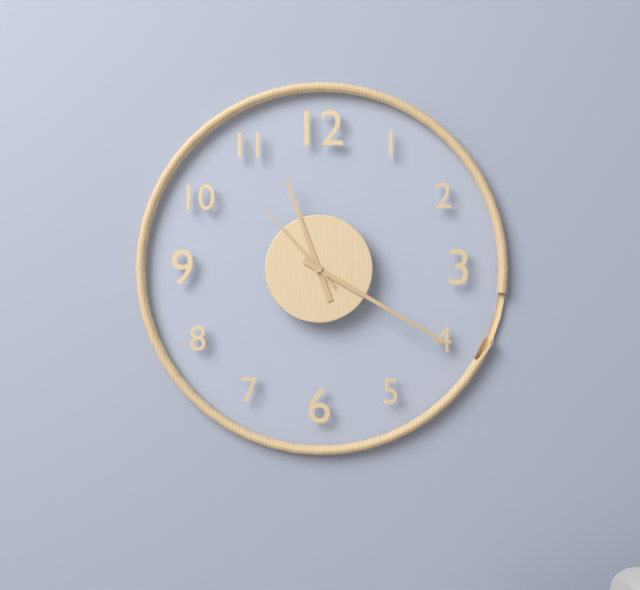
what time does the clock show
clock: 11:20:53
